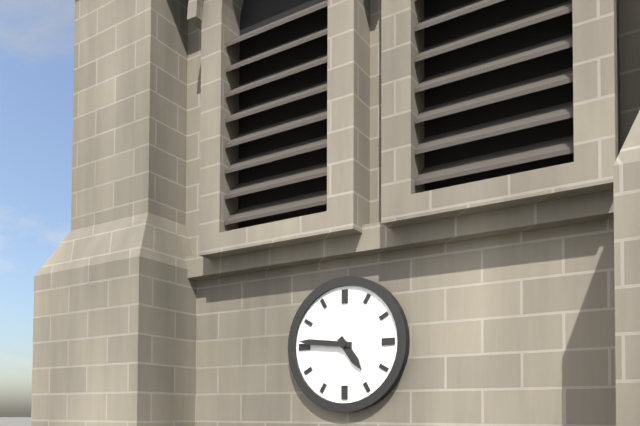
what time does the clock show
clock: 4:46
